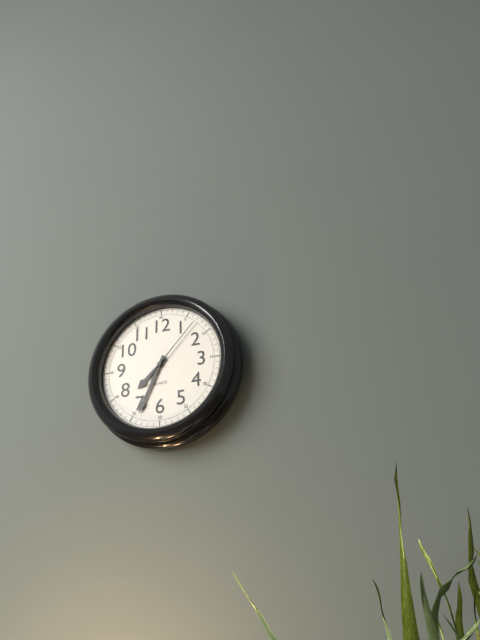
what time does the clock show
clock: 7:34:07
